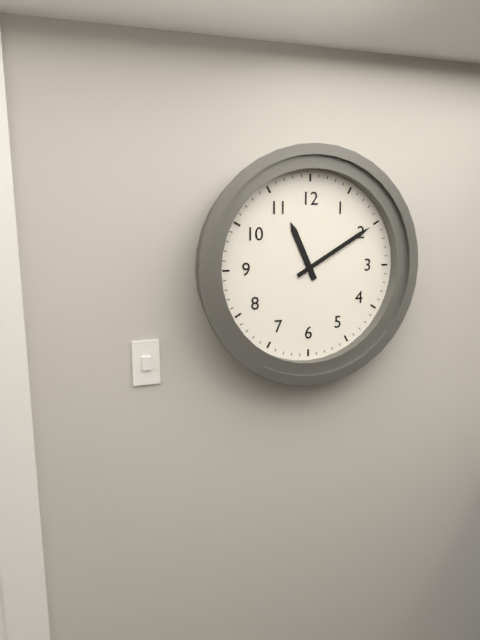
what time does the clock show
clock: 11:10
